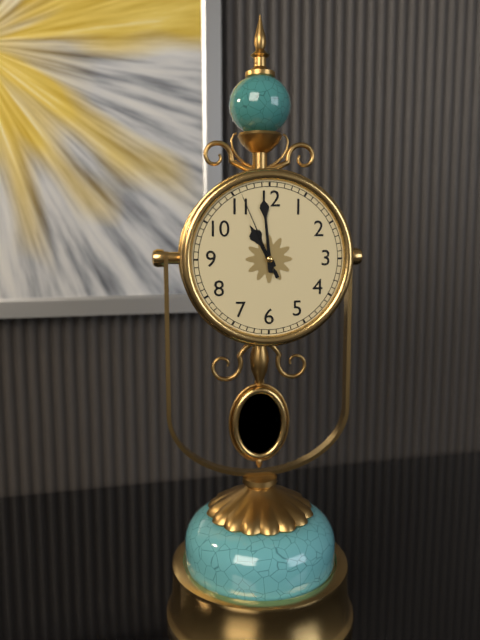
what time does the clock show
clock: 10:59:56
